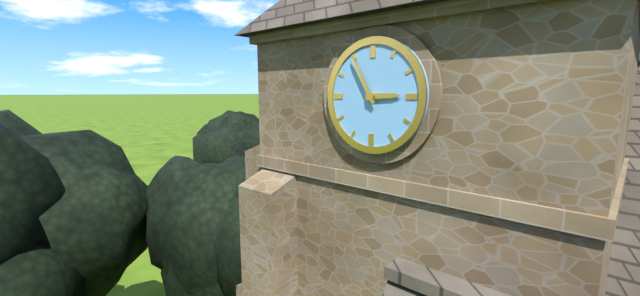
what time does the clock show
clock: 2:55
